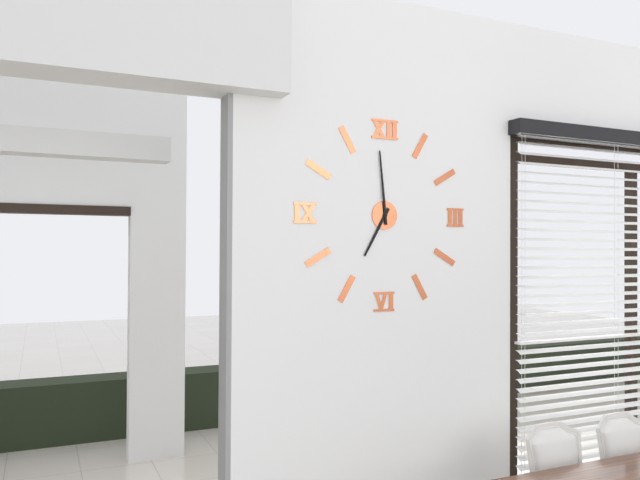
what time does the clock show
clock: 6:59
